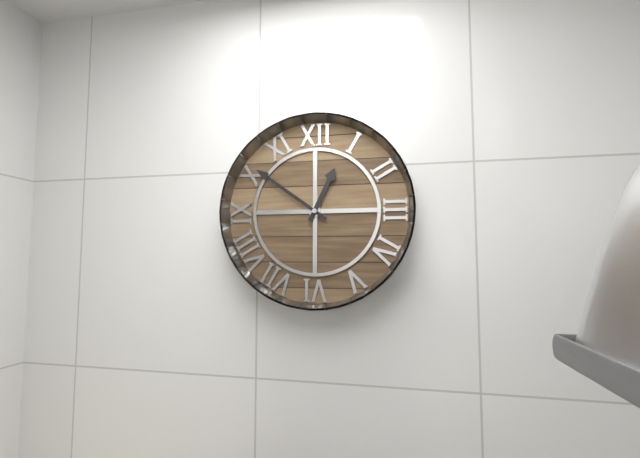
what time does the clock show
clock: 12:51
